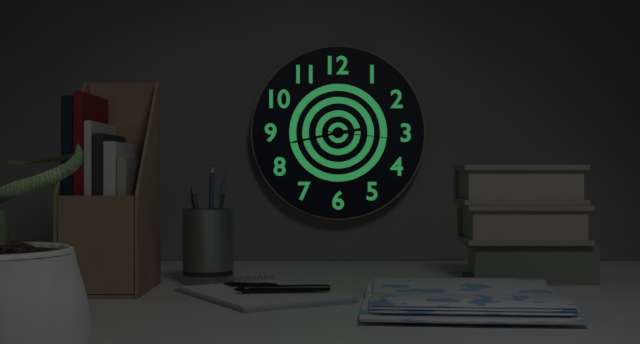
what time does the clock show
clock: 2:43:16
